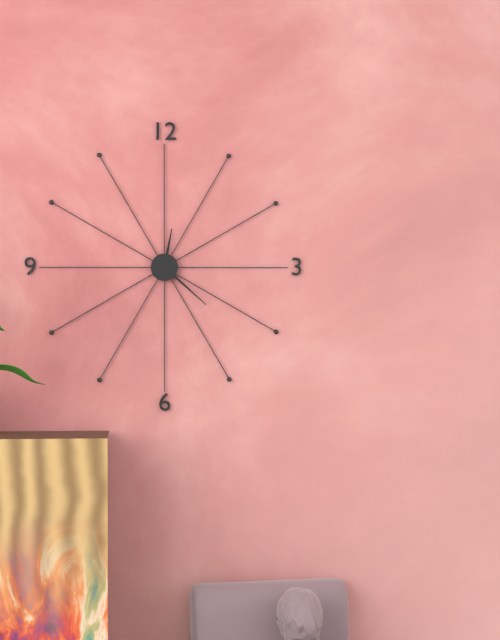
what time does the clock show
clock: 12:22
